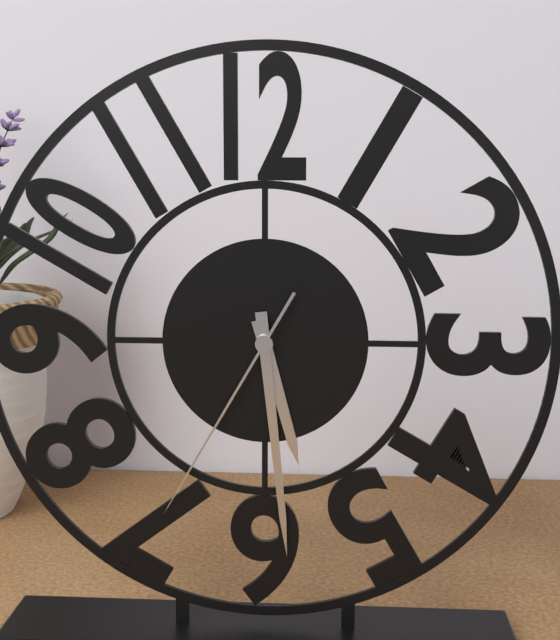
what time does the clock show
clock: 5:29:35
